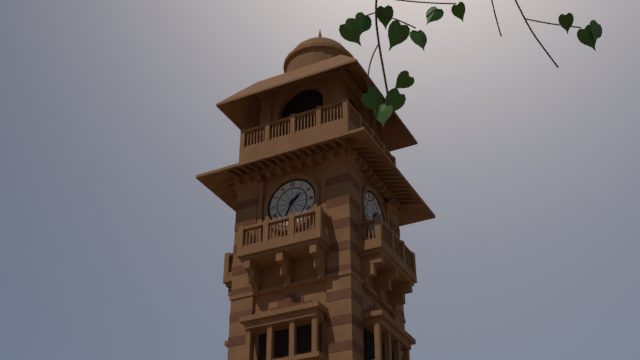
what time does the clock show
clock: 1:34
